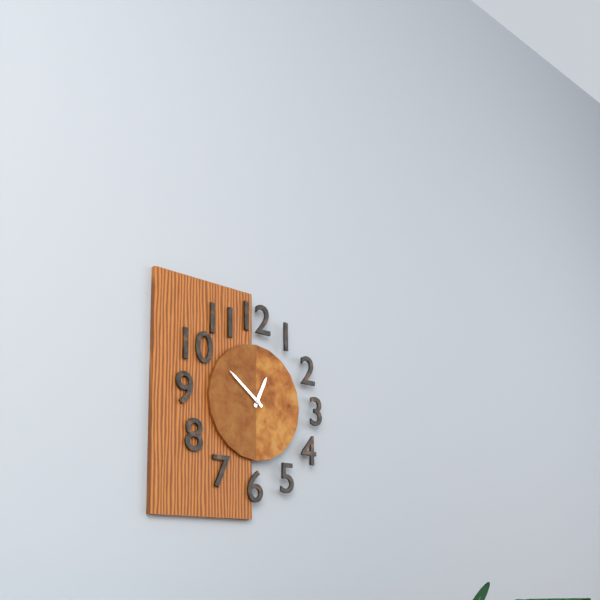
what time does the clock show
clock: 12:51
